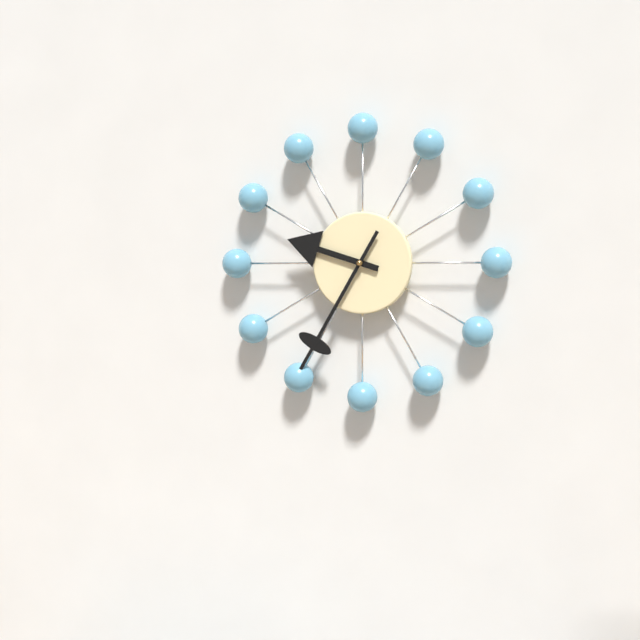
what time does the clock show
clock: 9:35
